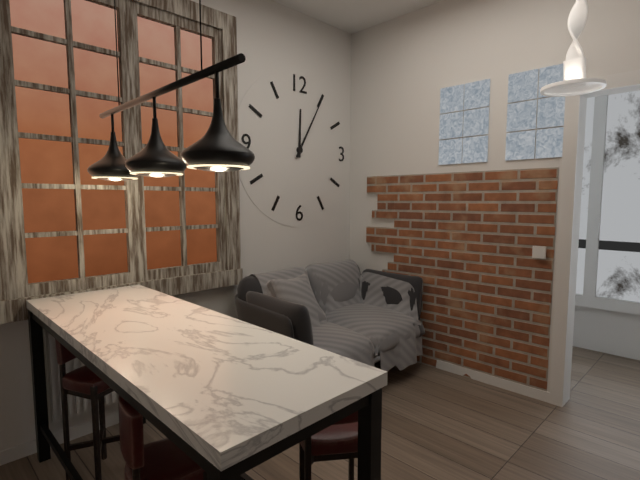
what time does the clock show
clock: 12:05
